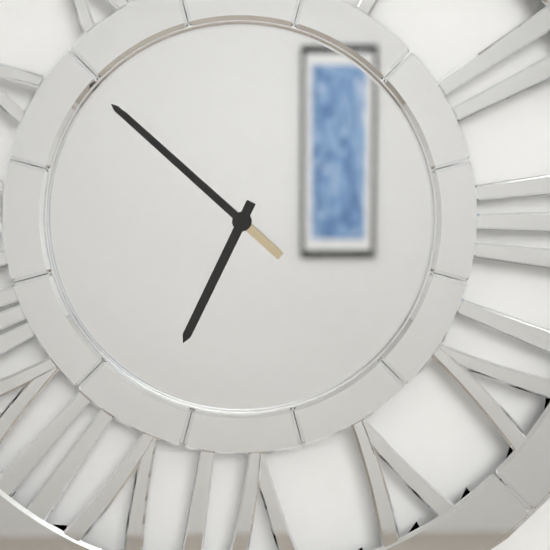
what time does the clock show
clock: 6:52
